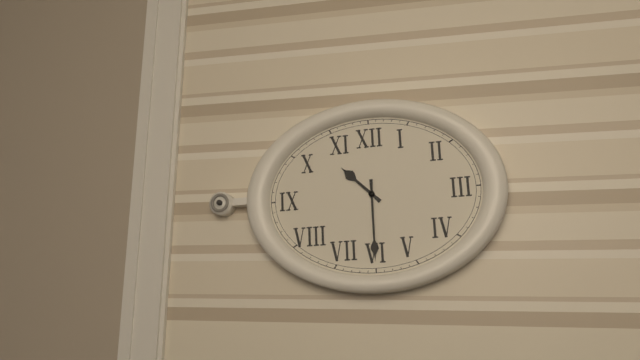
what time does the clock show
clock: 10:30
